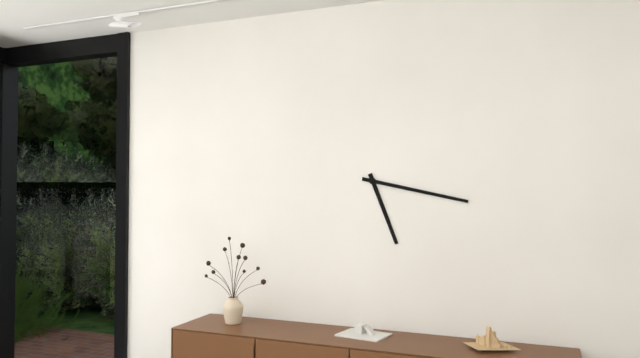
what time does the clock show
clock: 5:17
